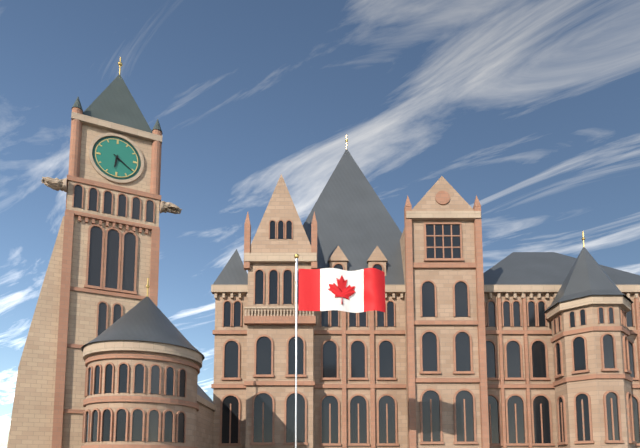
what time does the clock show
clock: 6:21
